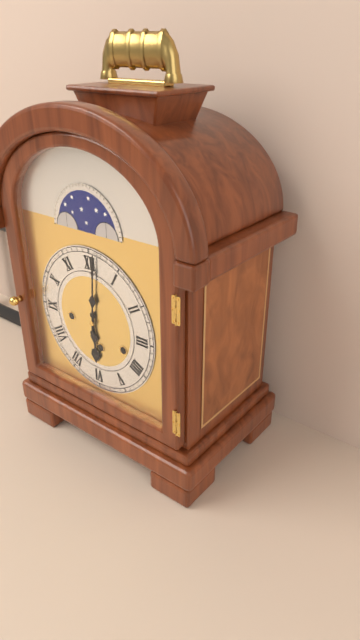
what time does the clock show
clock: 6:01
